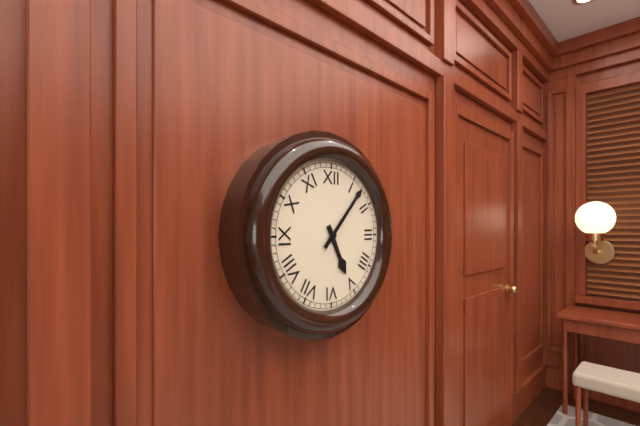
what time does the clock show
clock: 5:07
